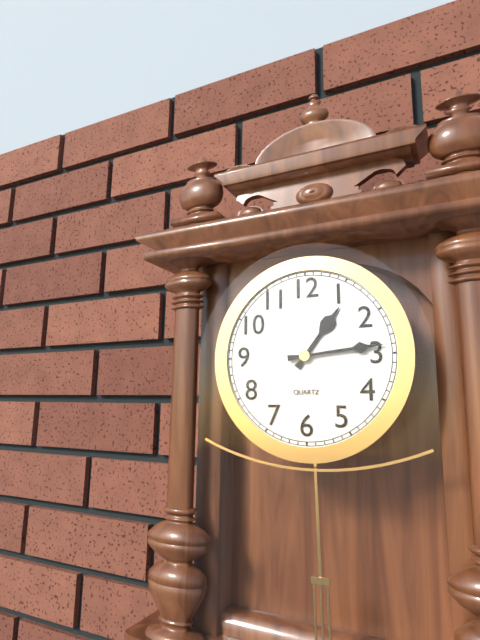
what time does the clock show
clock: 1:14
